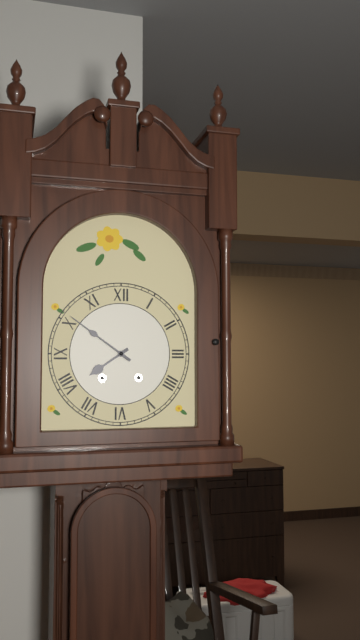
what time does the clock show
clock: 7:51
